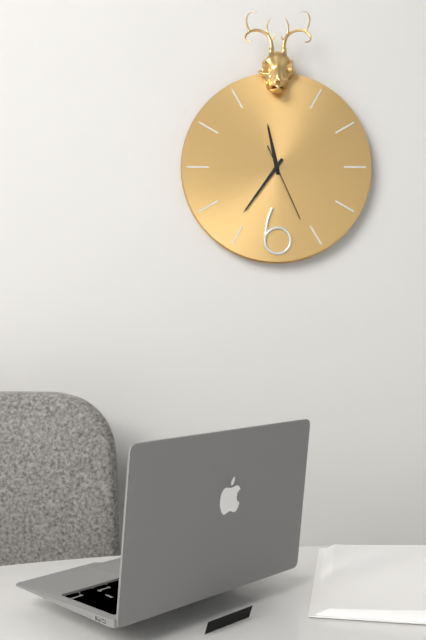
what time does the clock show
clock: 11:36:26
